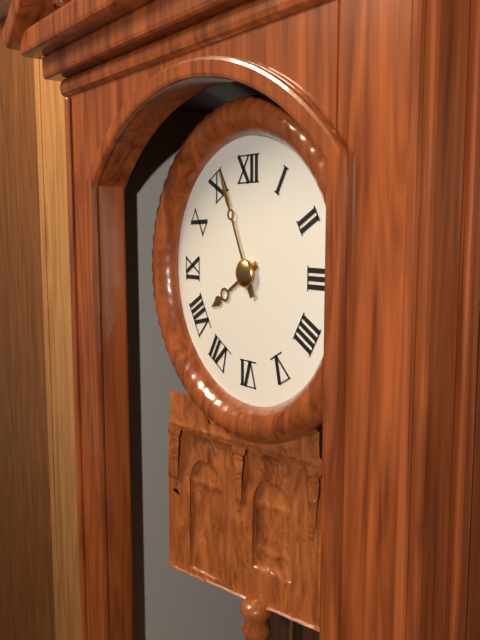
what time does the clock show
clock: 7:56
